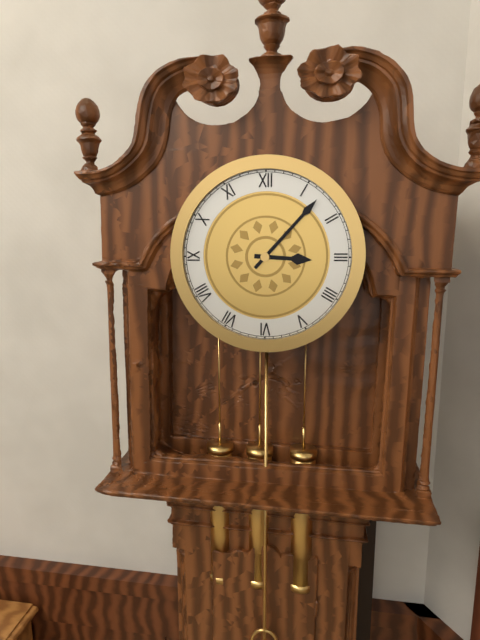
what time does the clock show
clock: 3:07
